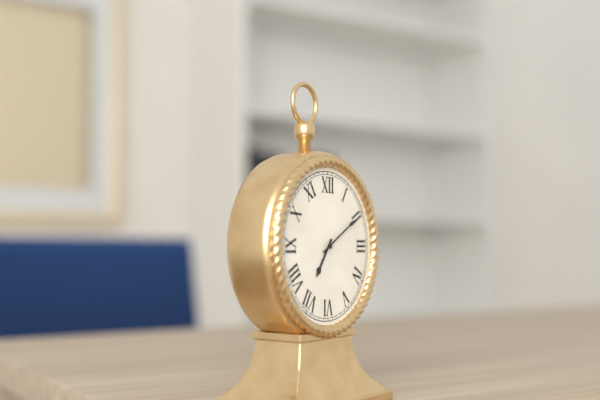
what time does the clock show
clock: 7:10
